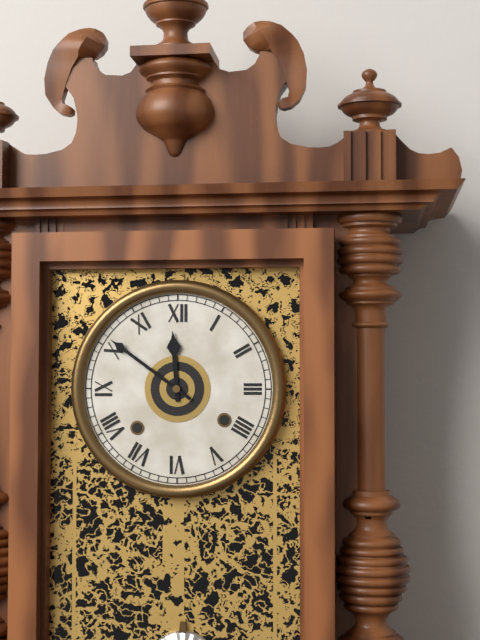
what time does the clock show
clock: 11:51
